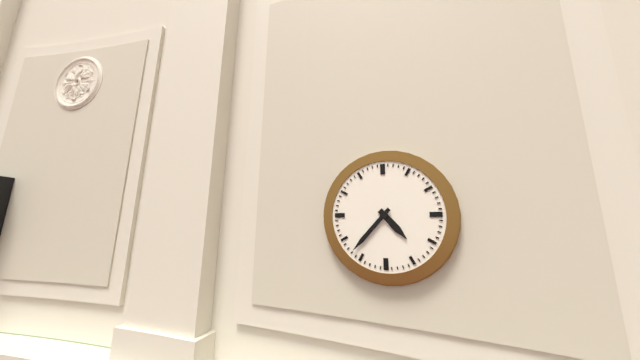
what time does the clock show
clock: 4:37
